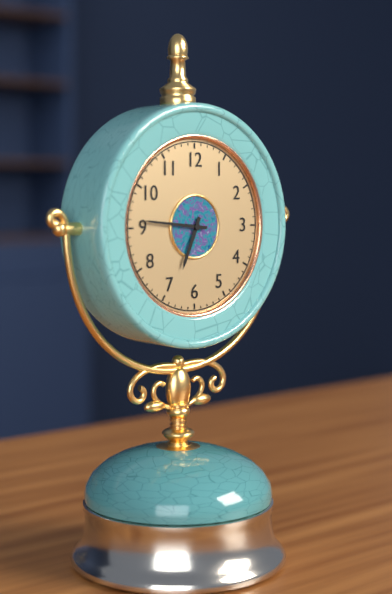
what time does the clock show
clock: 6:46
